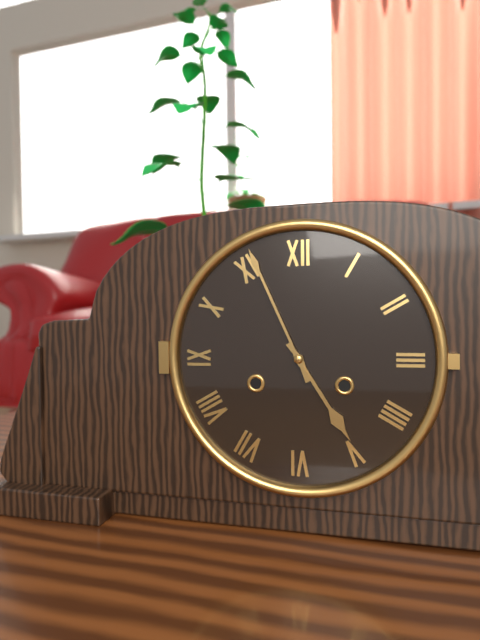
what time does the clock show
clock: 4:56
